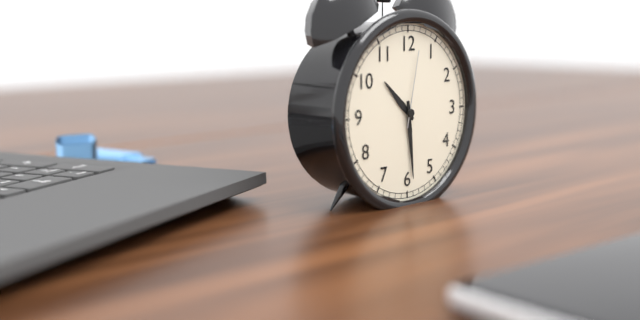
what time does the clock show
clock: 10:29:02
